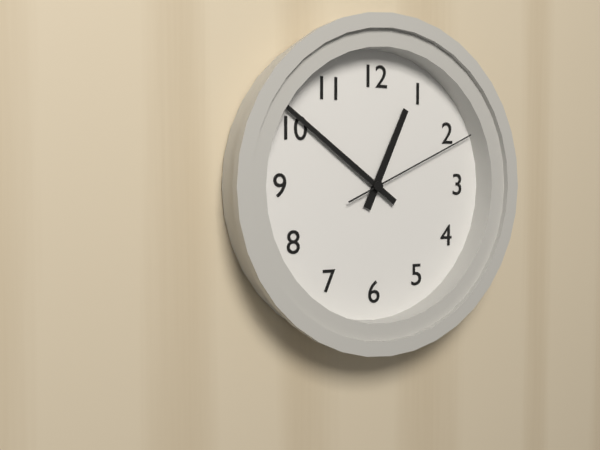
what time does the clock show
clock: 12:51:11
